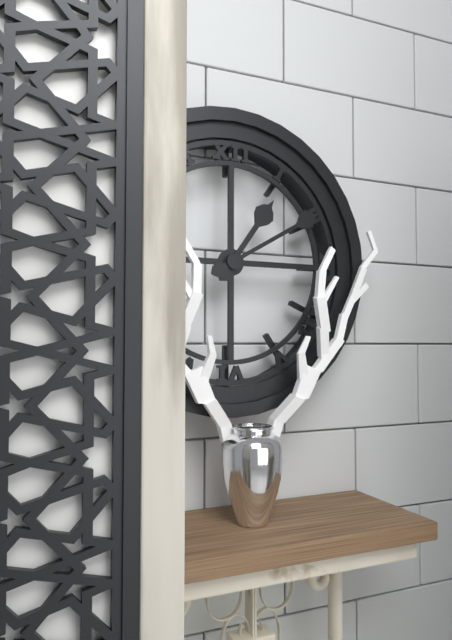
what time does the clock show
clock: 1:10
